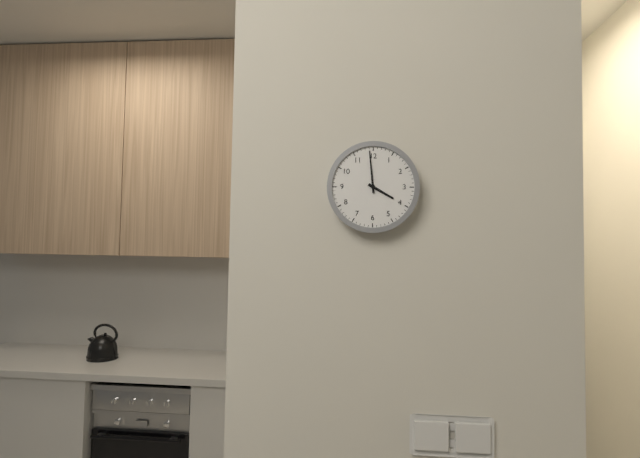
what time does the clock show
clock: 3:59
